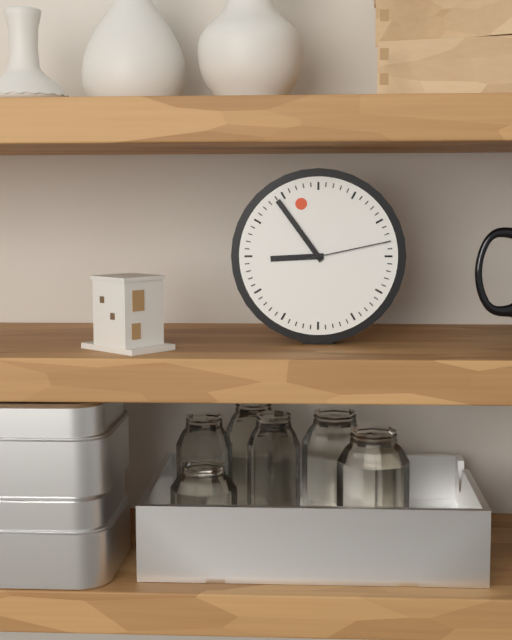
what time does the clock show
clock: 8:54:13
